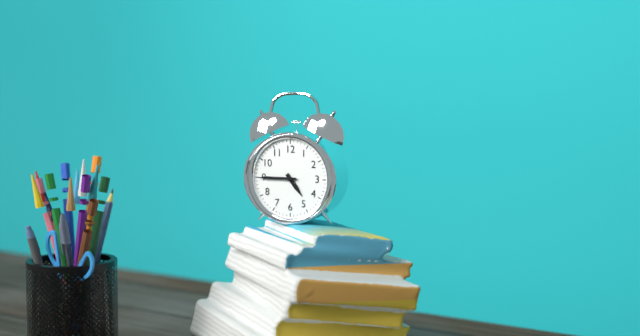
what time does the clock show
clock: 4:45
